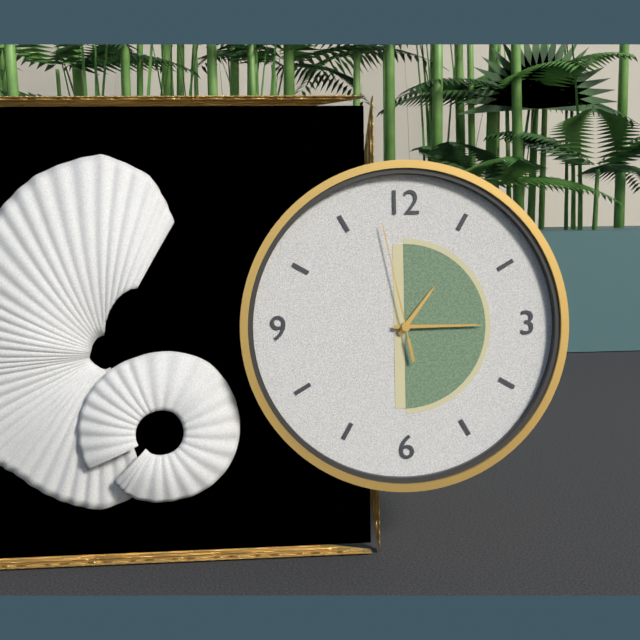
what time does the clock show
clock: 1:15:58
